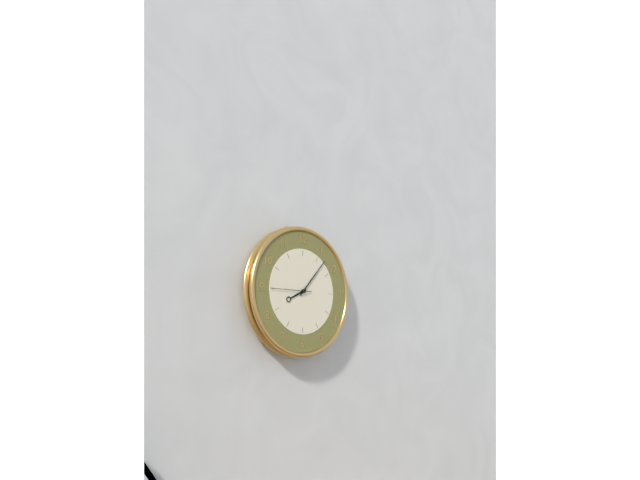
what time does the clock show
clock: 8:07
